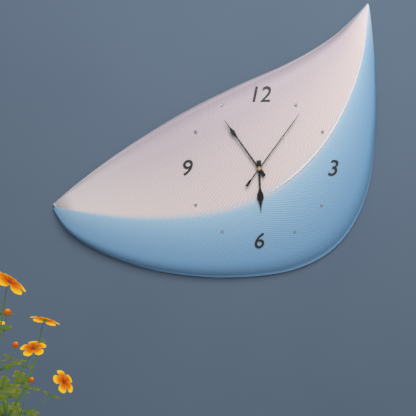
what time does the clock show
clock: 5:54:06
